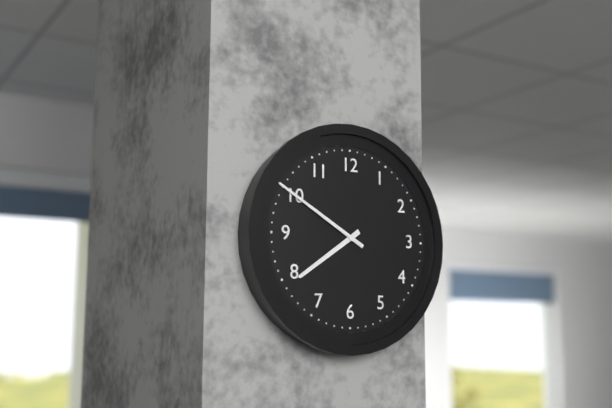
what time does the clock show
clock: 7:50
